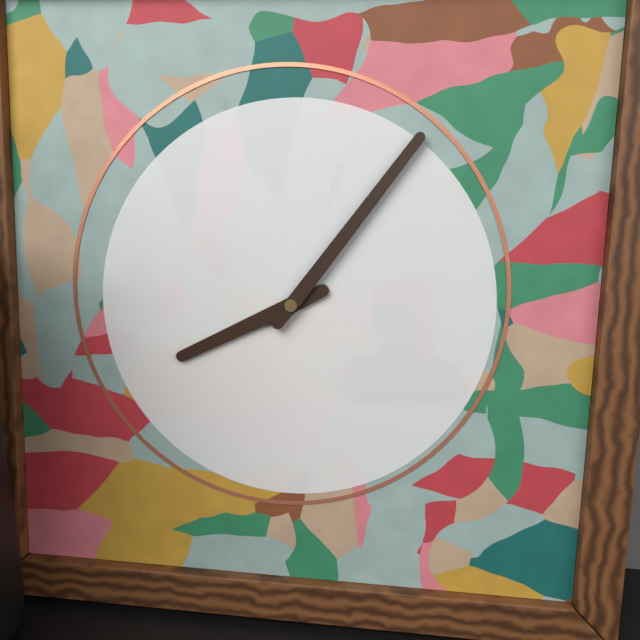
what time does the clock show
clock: 8:06
